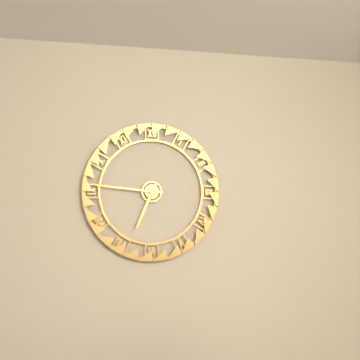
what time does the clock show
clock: 6:46
